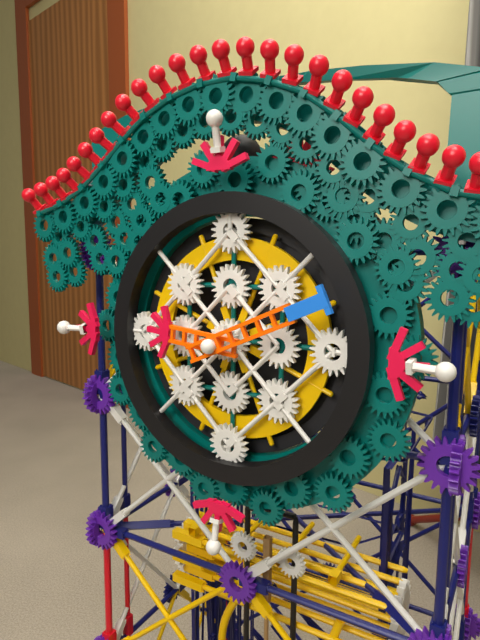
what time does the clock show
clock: 9:11
